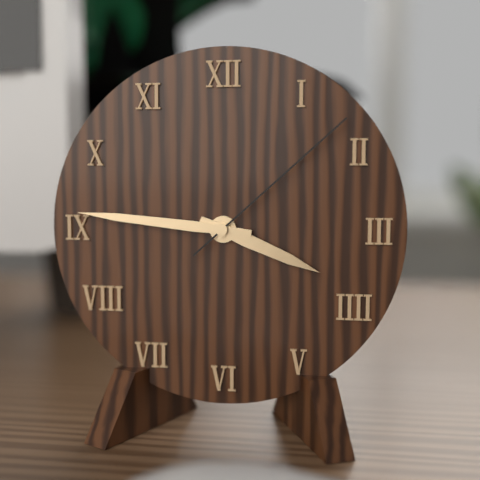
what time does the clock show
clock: 3:46:08
